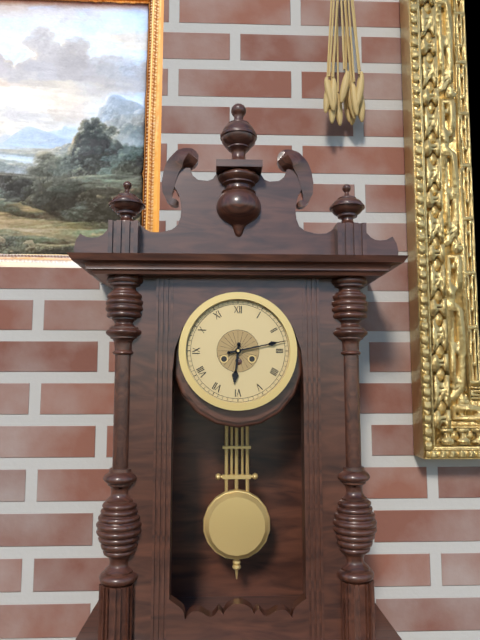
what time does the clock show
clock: 6:13
